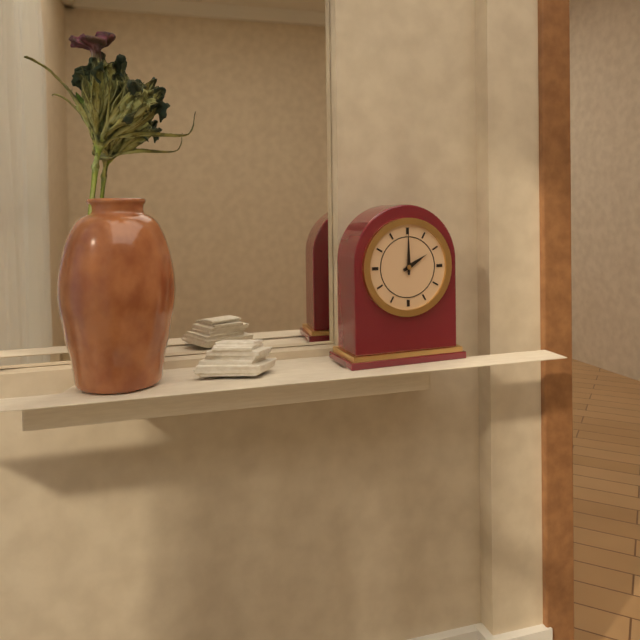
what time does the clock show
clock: 2:00
